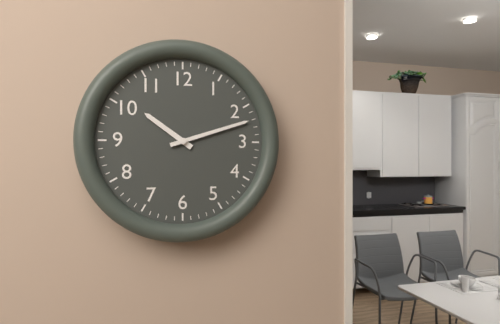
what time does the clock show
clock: 10:12
